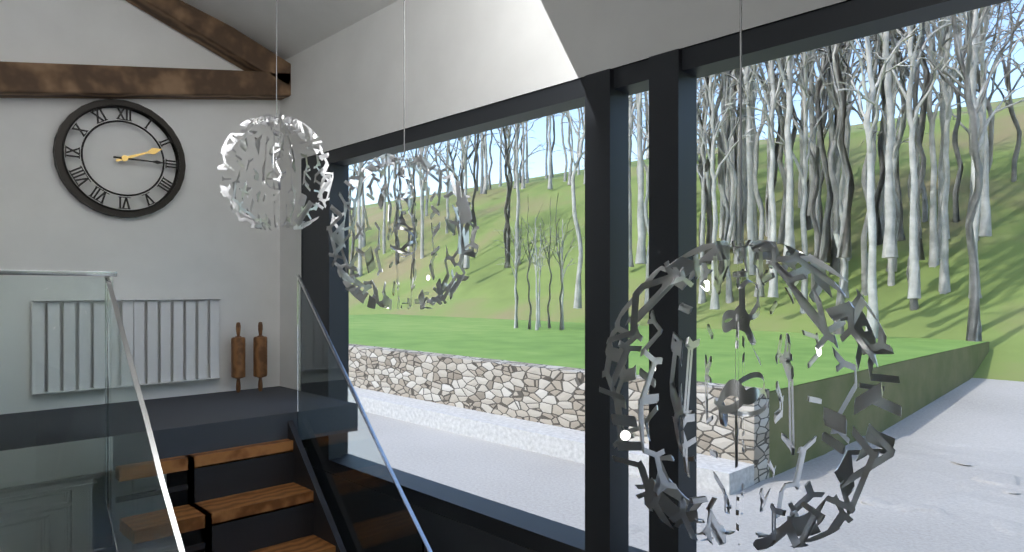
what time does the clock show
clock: 2:15
